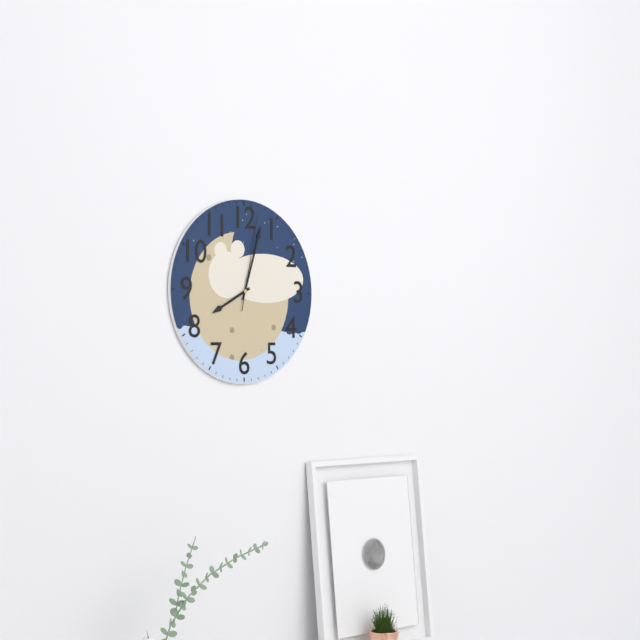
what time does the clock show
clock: 8:03:02
